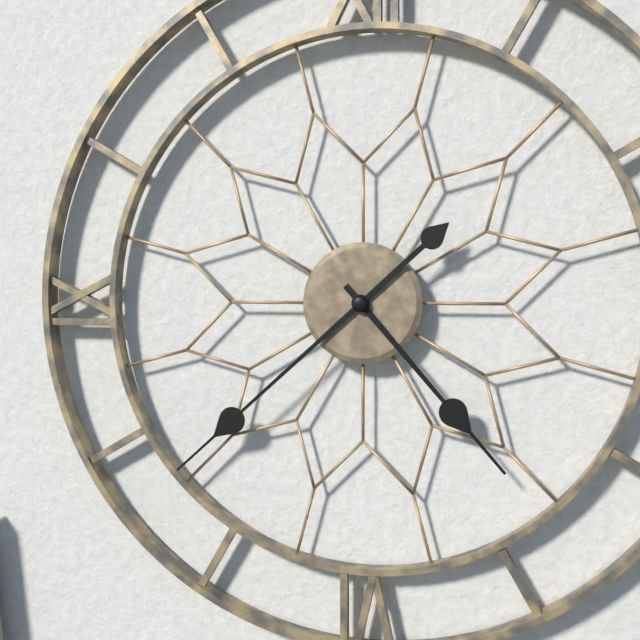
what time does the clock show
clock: 4:38
